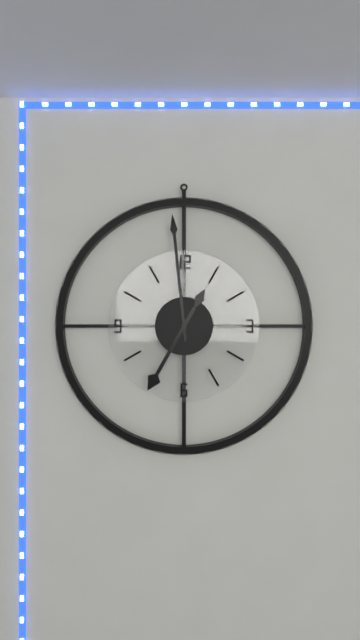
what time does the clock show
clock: 6:59
